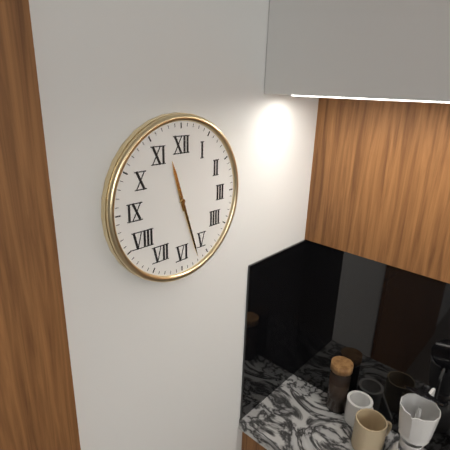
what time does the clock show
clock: 11:27
